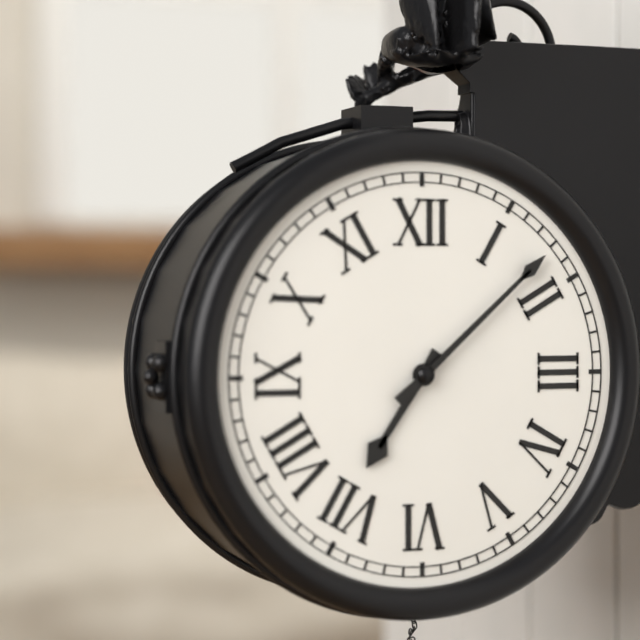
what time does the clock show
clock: 7:08
